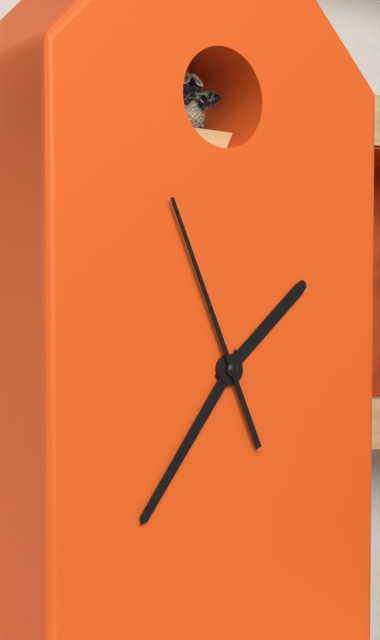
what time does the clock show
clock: 1:36:56
